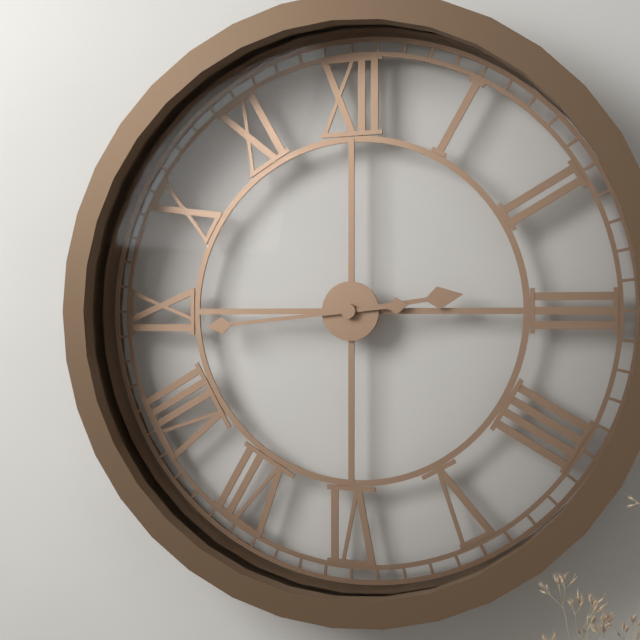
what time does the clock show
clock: 2:44
